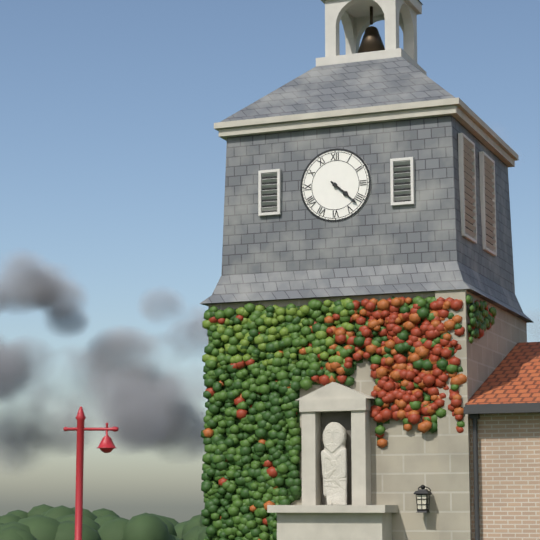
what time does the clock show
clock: 4:22
